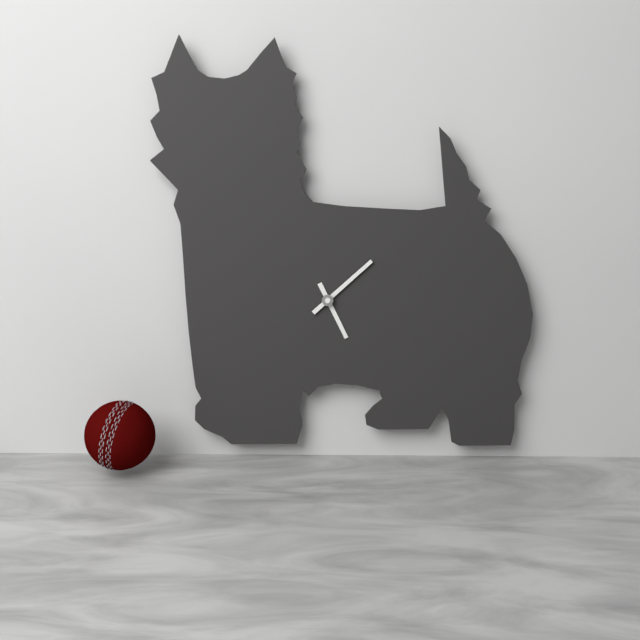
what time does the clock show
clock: 5:08
